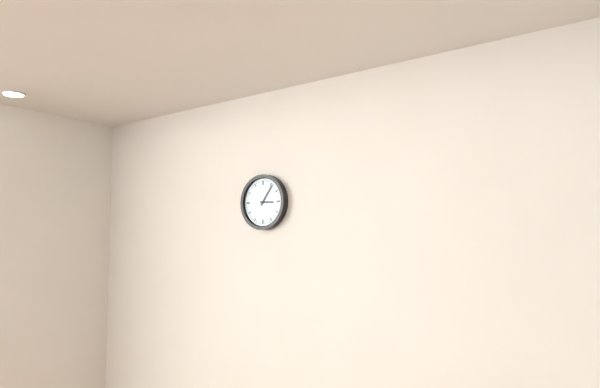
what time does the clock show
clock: 3:06
